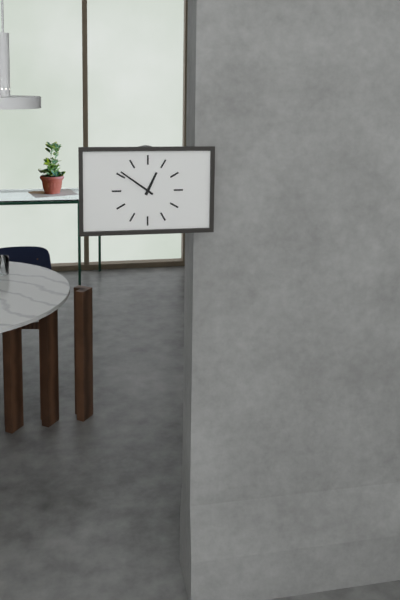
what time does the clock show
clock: 12:51
